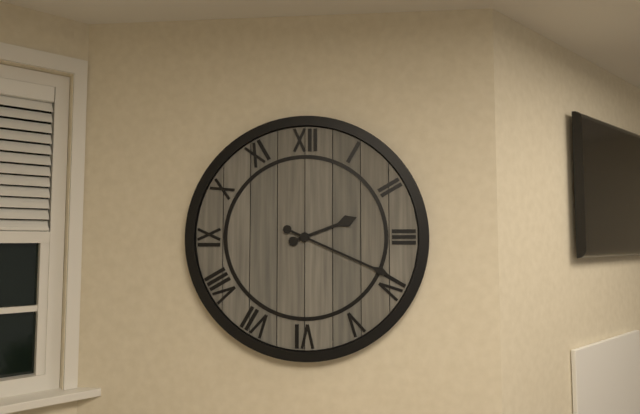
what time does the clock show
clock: 2:19
